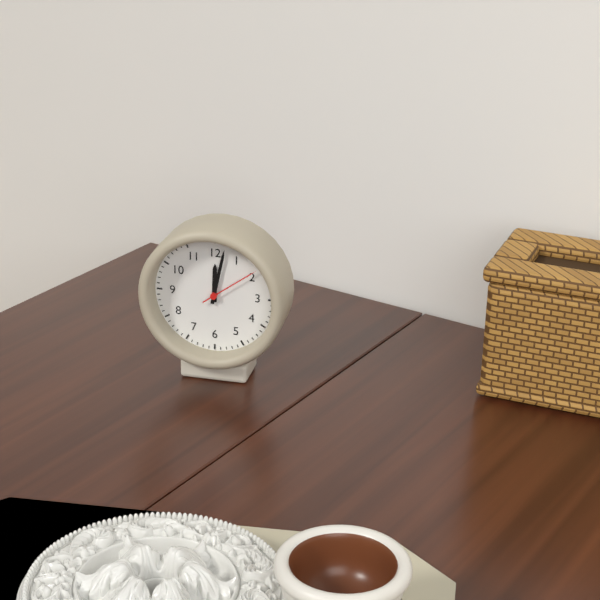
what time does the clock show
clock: 12:02:09
